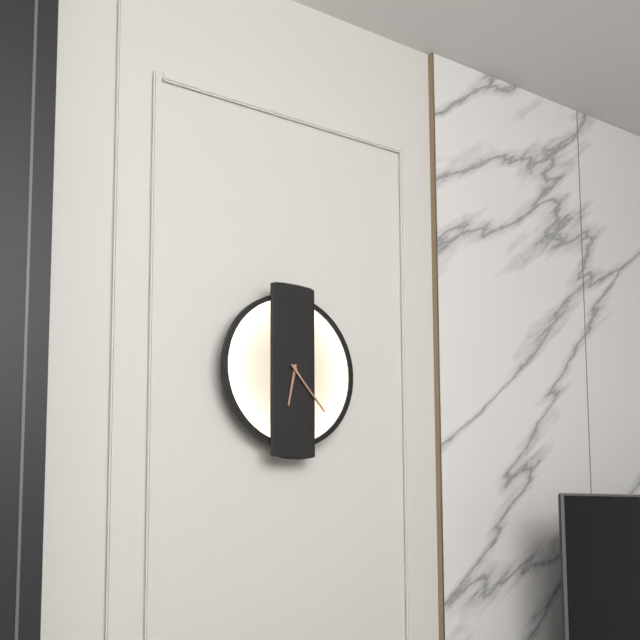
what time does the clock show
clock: 6:23
